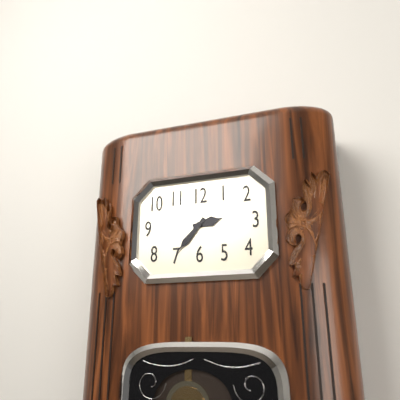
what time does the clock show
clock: 2:37
